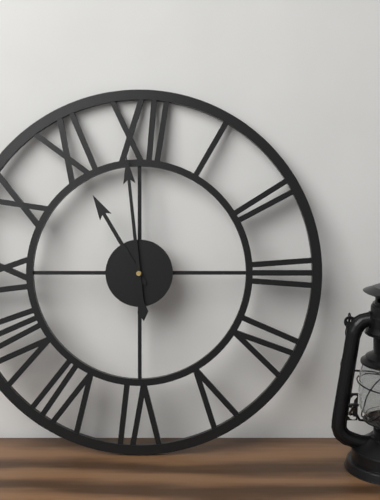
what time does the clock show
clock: 10:59
